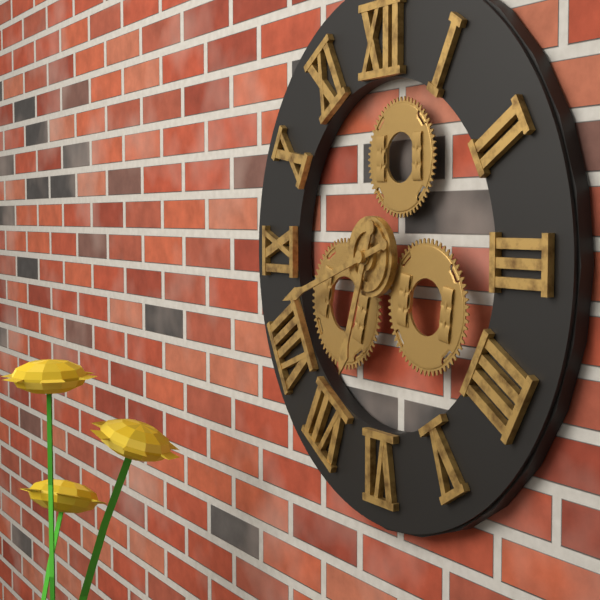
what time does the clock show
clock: 6:42
